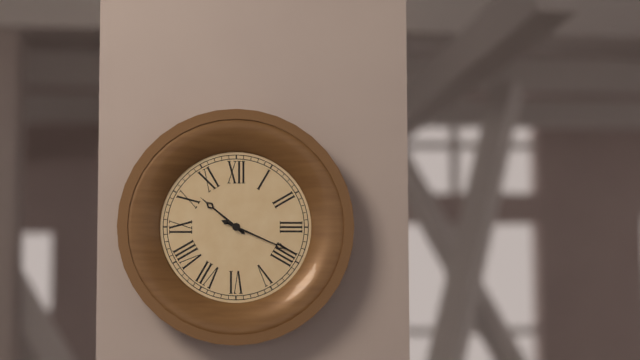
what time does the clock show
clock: 10:19
